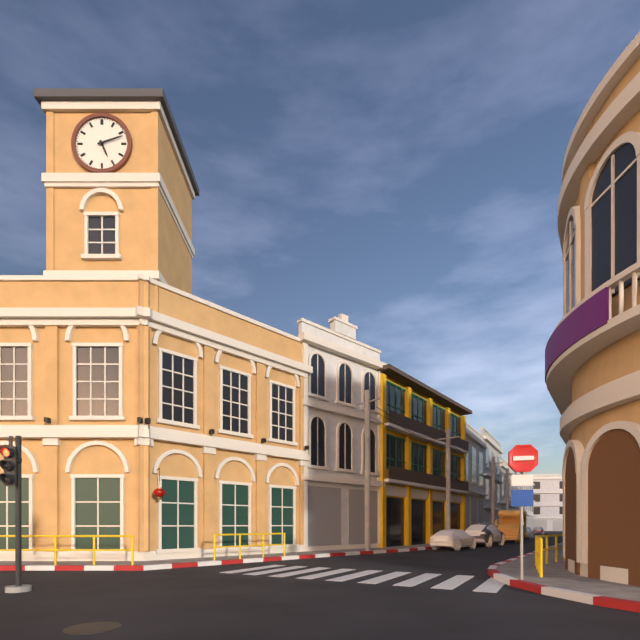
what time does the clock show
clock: 5:12
